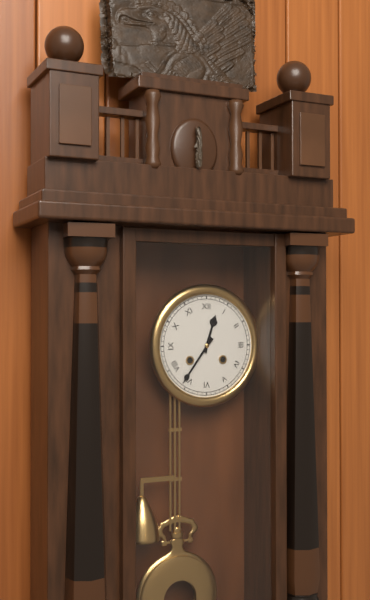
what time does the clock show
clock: 12:36
